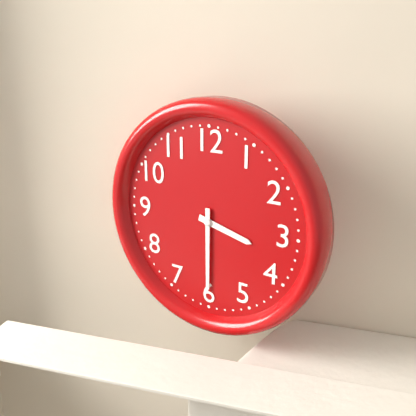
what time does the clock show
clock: 3:30
